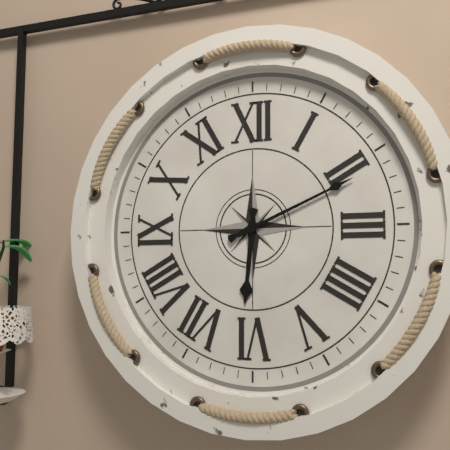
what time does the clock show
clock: 6:11
